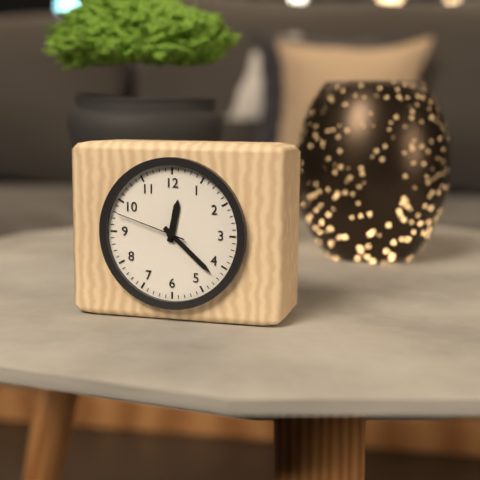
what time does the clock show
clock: 12:22:48
